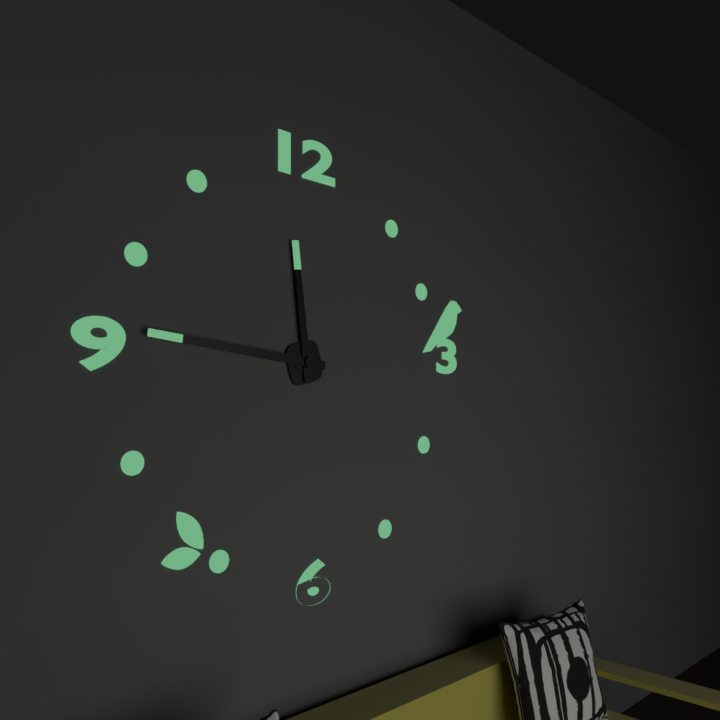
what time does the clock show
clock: 11:46
